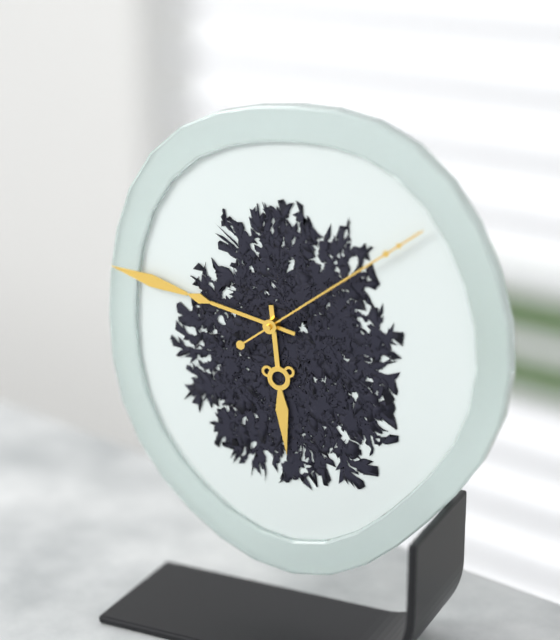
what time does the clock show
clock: 5:47:09
